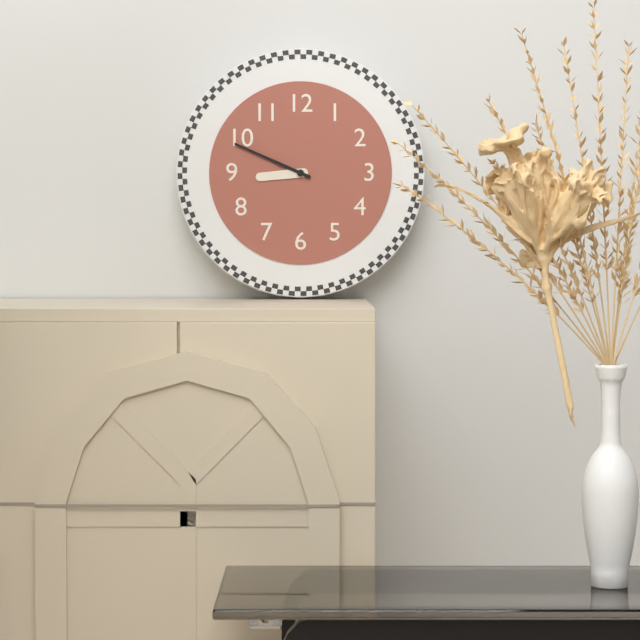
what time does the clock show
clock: 8:49
